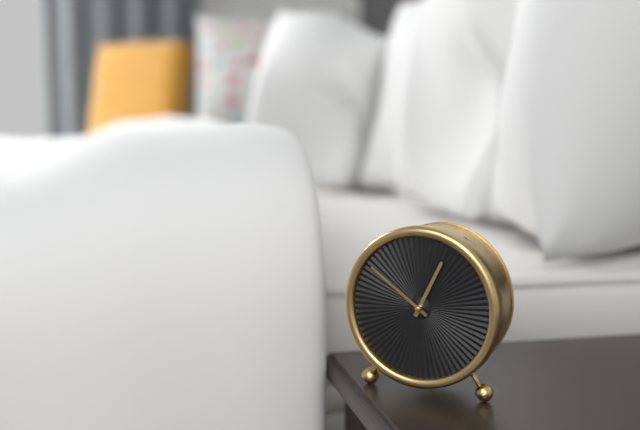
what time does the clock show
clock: 12:51
